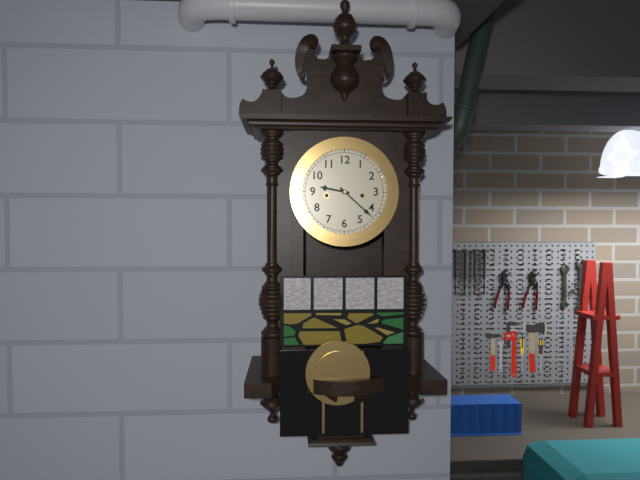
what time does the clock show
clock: 9:22
